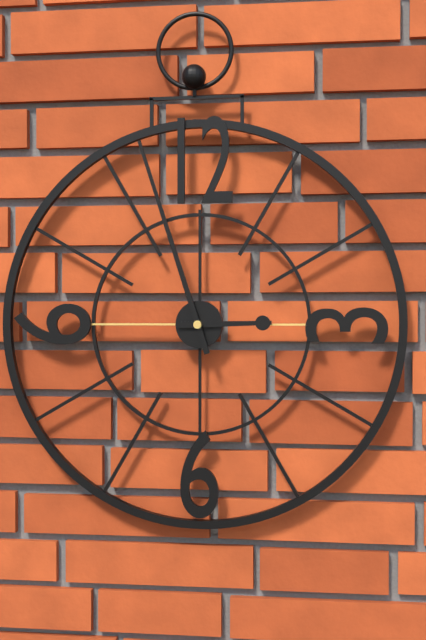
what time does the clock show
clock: 2:57
